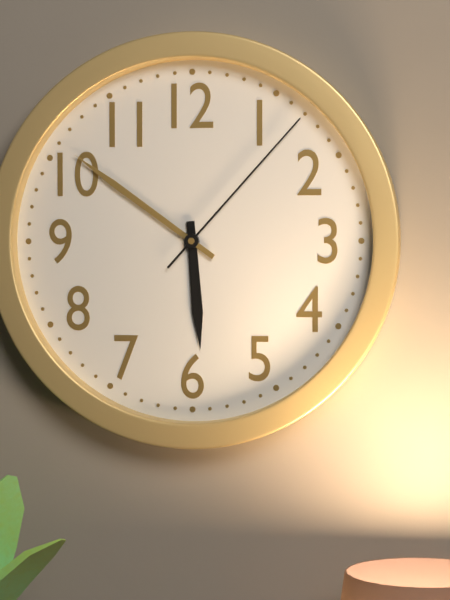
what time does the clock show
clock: 5:51:07
